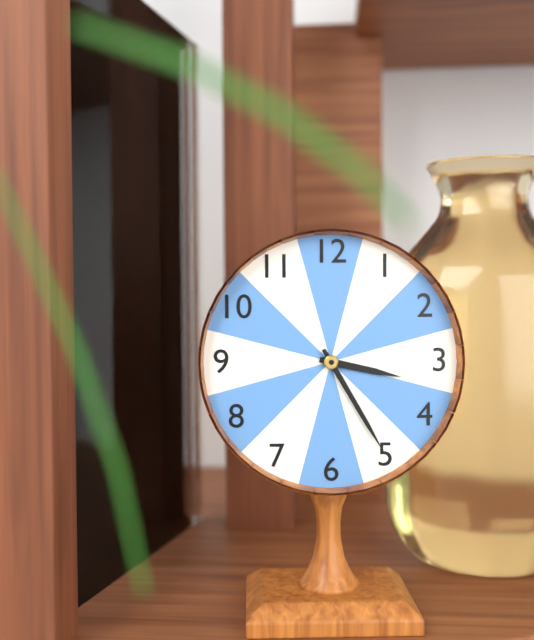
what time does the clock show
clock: 3:25
